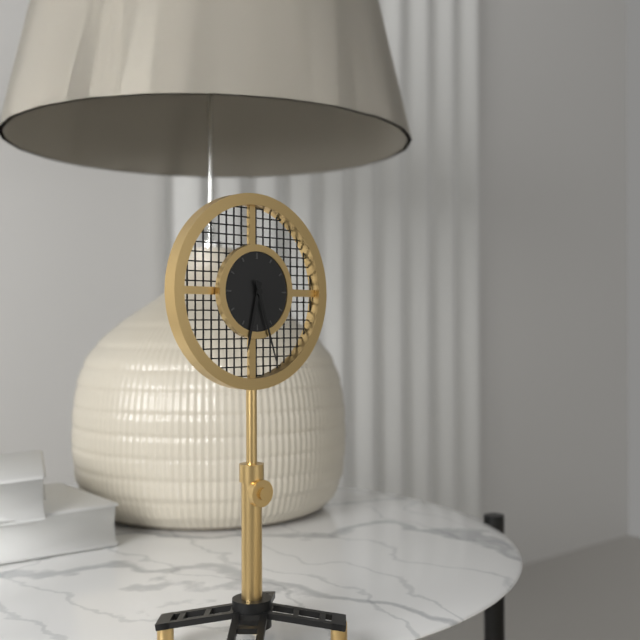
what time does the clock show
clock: 6:27
